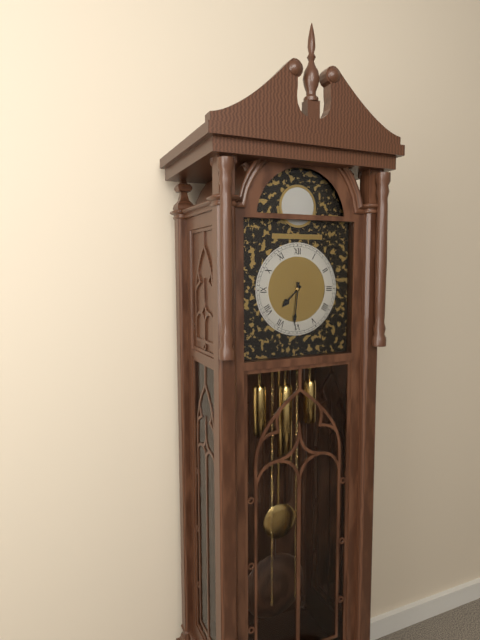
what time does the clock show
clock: 7:31
